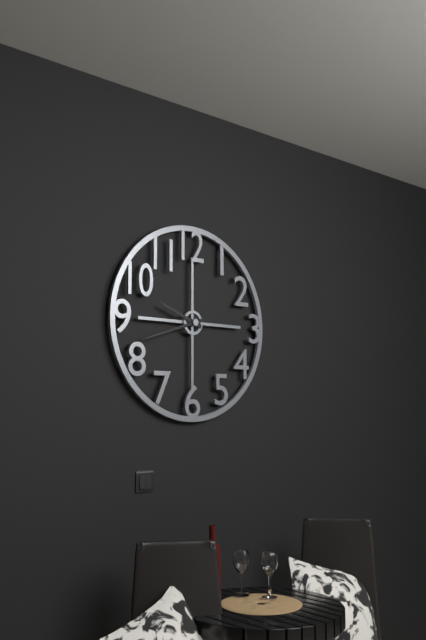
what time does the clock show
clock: 9:42
